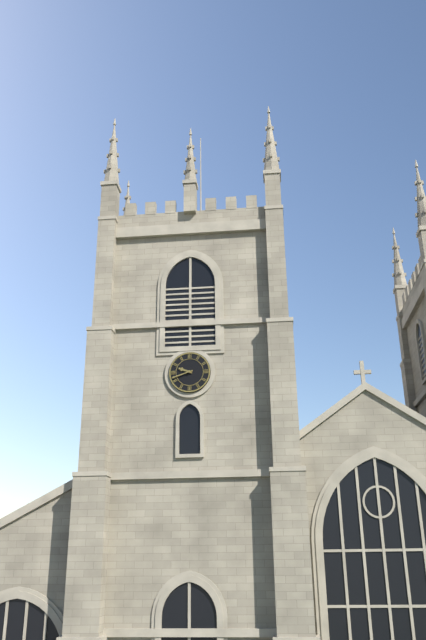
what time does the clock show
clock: 9:42
